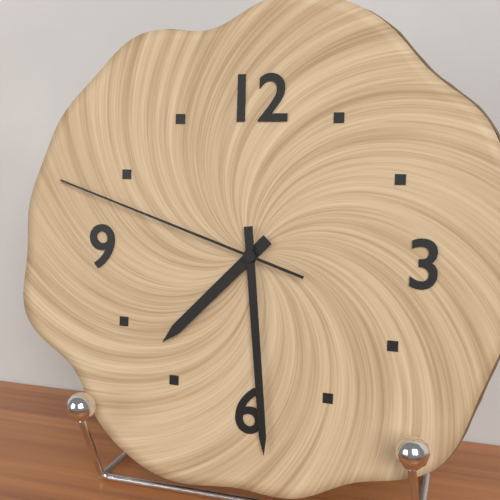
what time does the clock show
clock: 7:29:48
